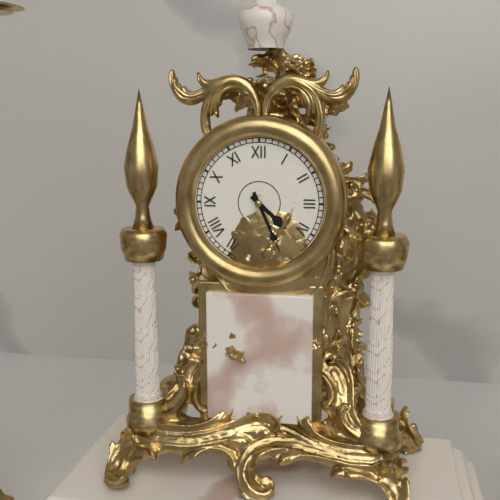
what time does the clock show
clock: 4:26
